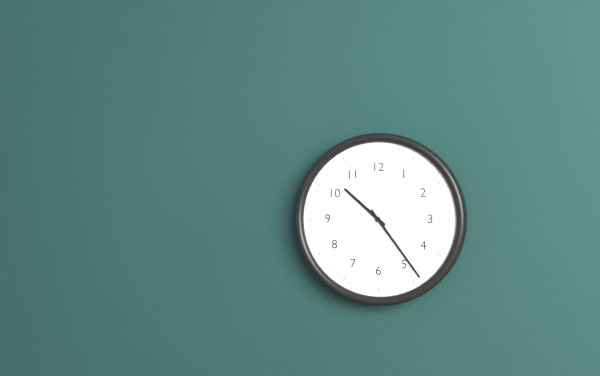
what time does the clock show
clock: 10:24
